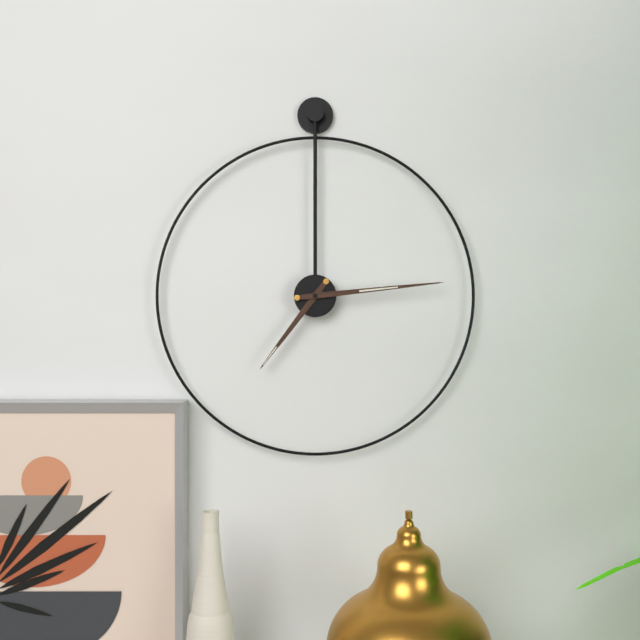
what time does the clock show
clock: 7:14
